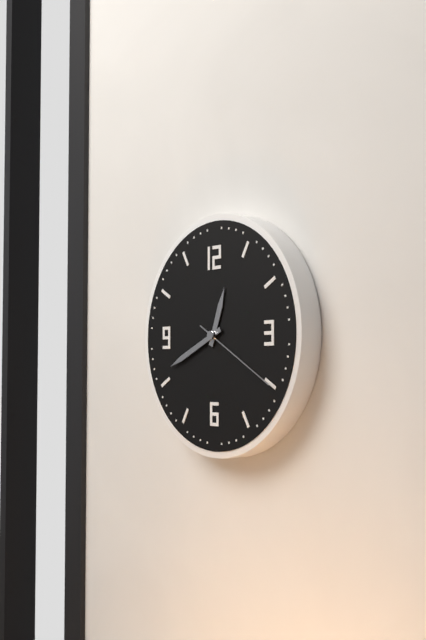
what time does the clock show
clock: 12:41:20
